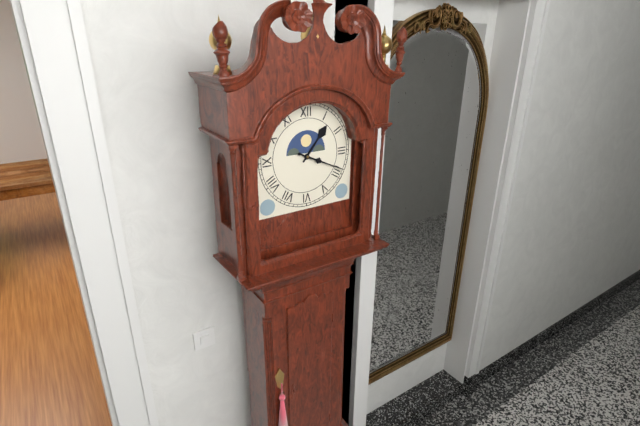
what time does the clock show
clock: 1:19
